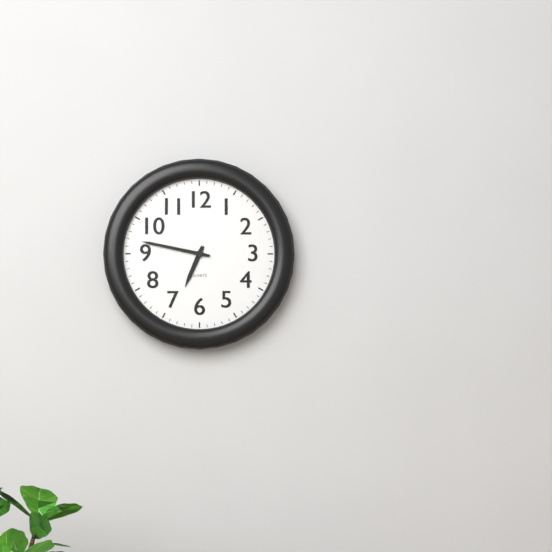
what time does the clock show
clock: 6:47
